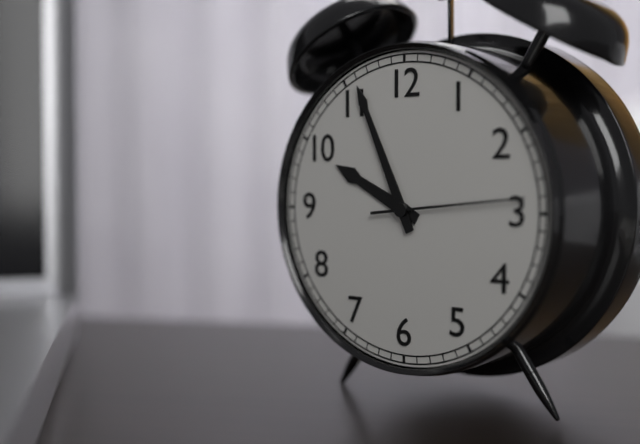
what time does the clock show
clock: 9:56:14
